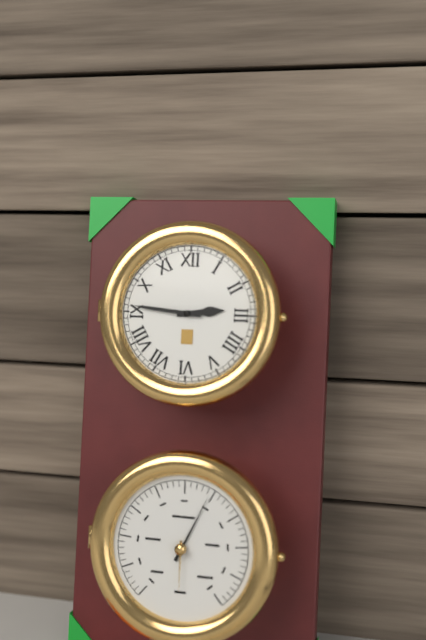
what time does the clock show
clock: 2:46
